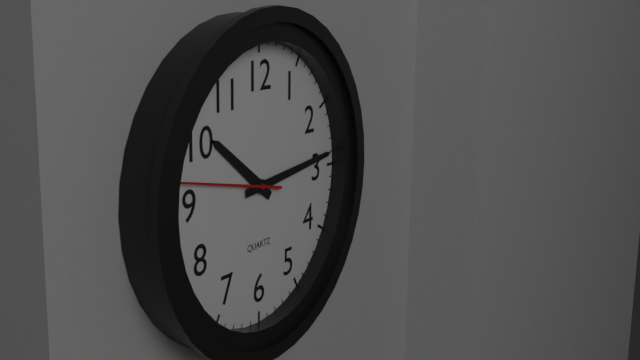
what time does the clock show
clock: 10:14:47
